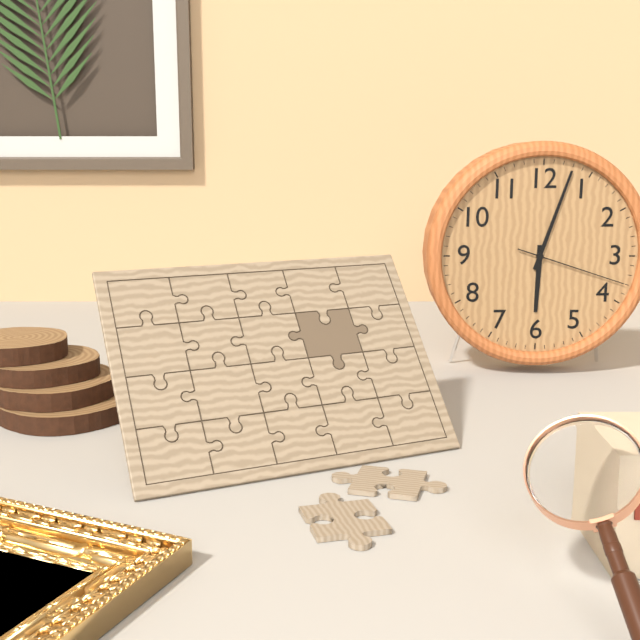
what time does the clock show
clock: 6:03:18
